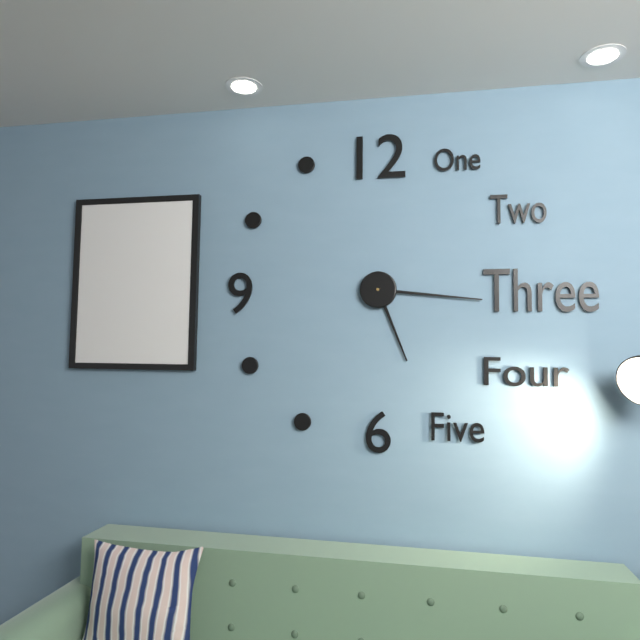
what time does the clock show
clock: 5:16
